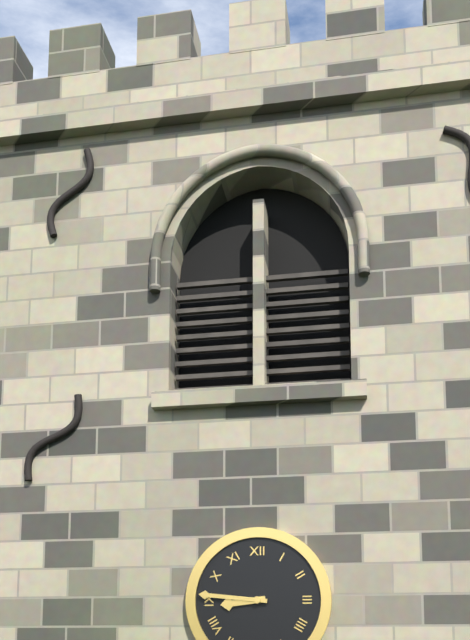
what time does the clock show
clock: 8:46
